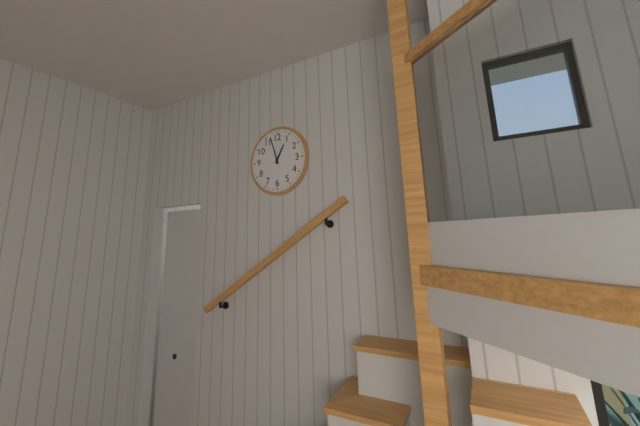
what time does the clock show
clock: 12:57
